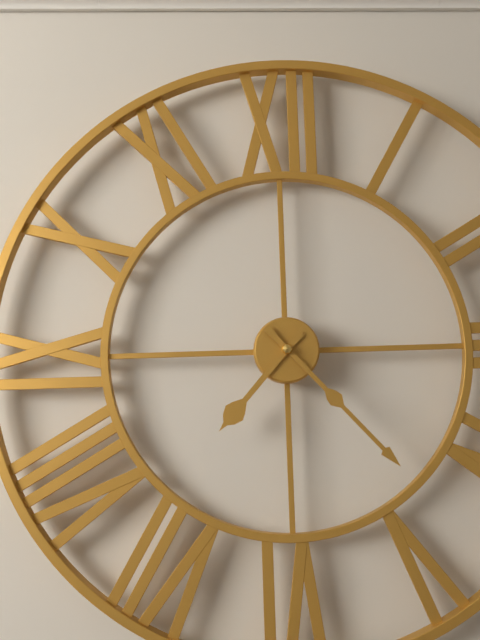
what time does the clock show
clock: 7:23
